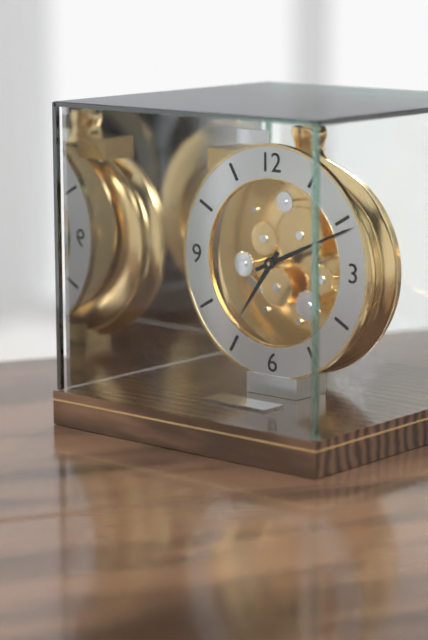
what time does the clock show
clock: 7:11
